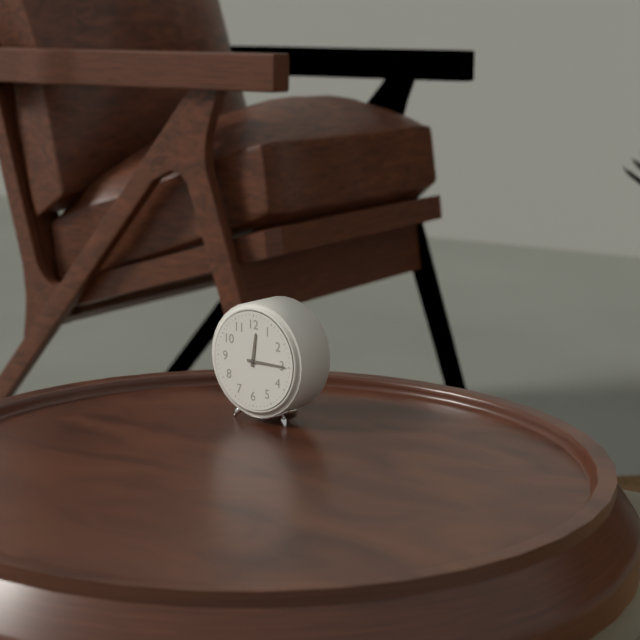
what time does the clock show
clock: 12:15
